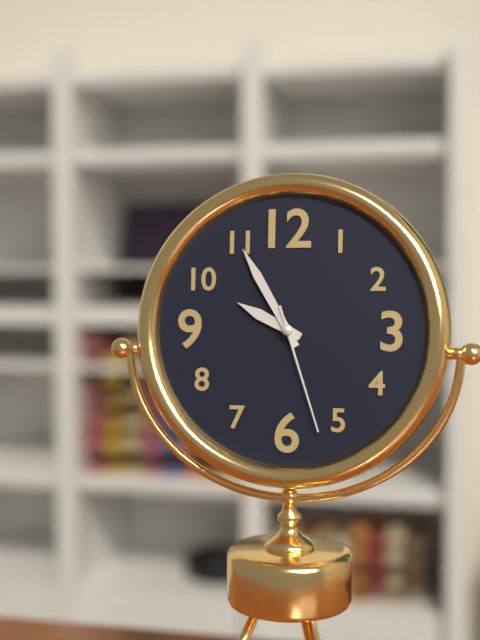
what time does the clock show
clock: 9:55:27
